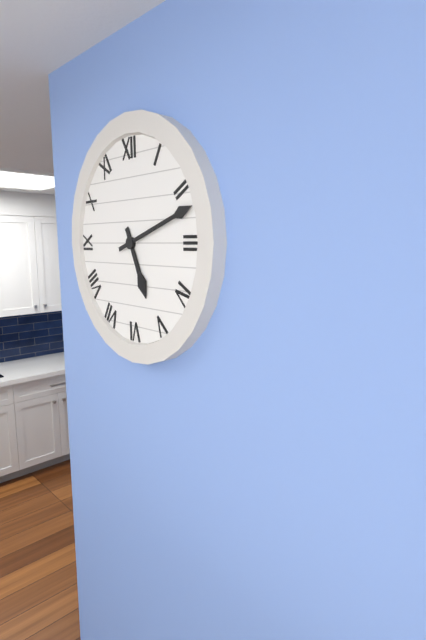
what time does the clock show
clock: 5:12
